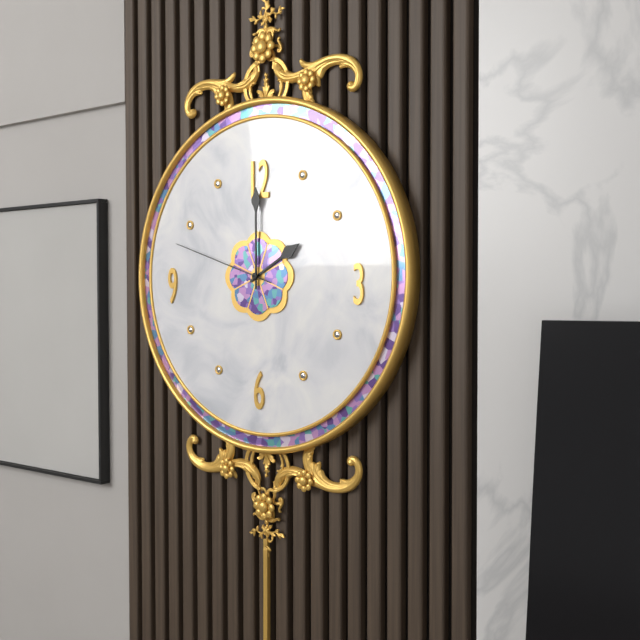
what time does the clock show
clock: 2:00:48
